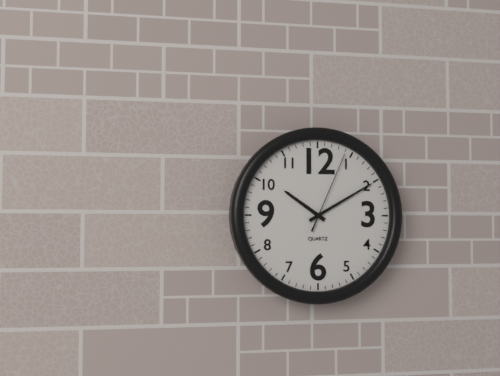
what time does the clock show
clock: 10:10:04
